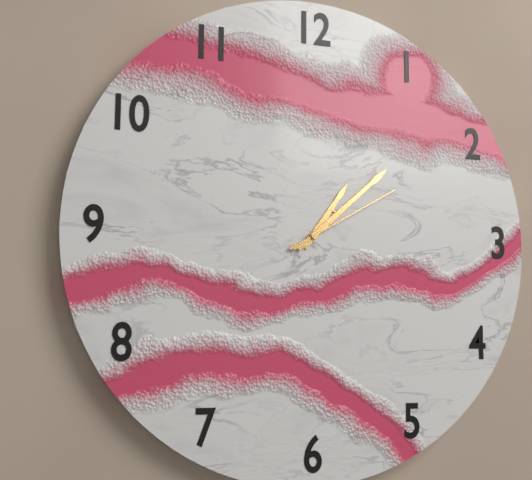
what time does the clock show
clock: 1:08:10
